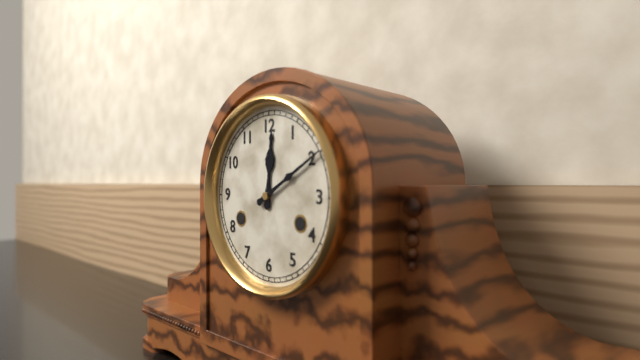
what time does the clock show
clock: 12:10
